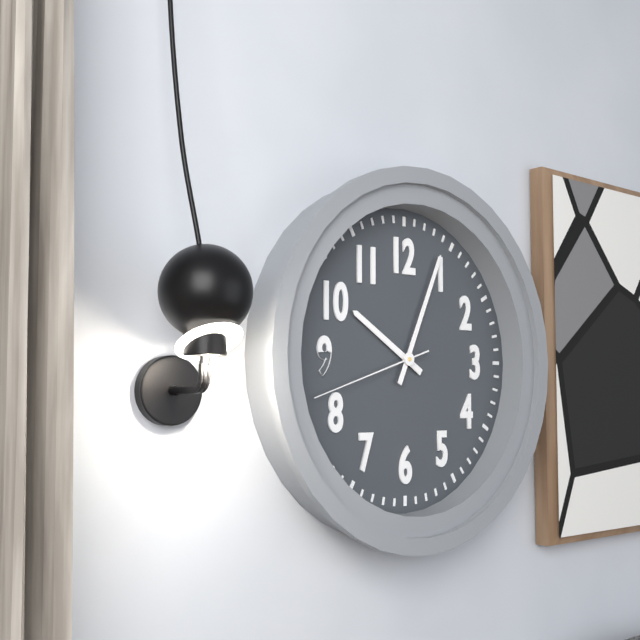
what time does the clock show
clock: 10:04:42
